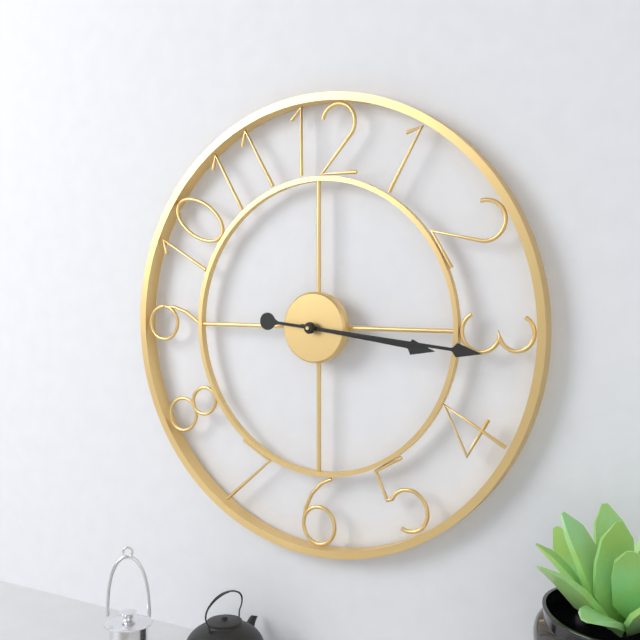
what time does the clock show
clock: 3:16
